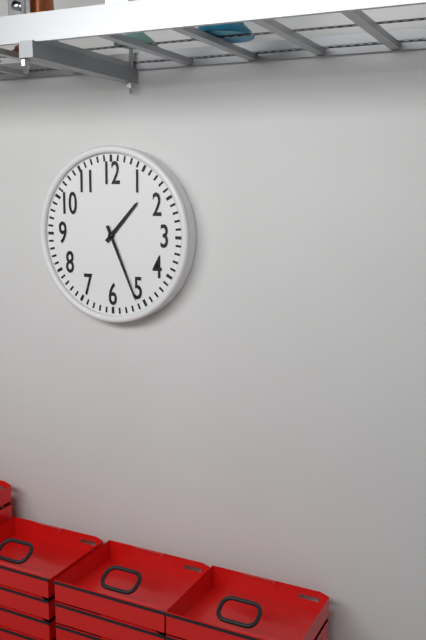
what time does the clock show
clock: 1:26
